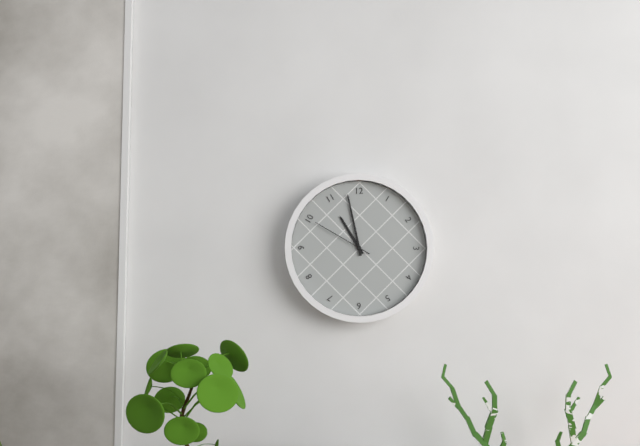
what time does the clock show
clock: 10:58:50
